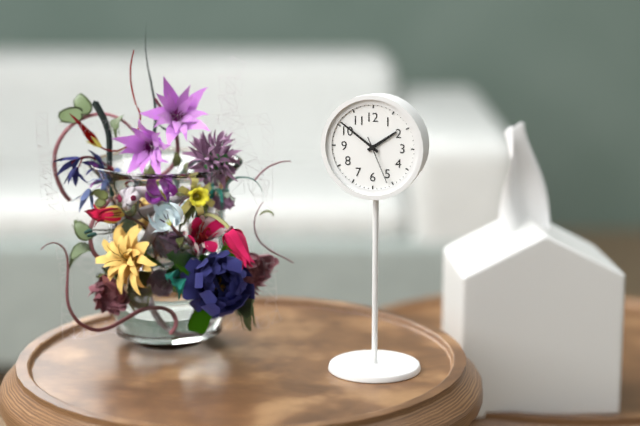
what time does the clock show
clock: 1:51
